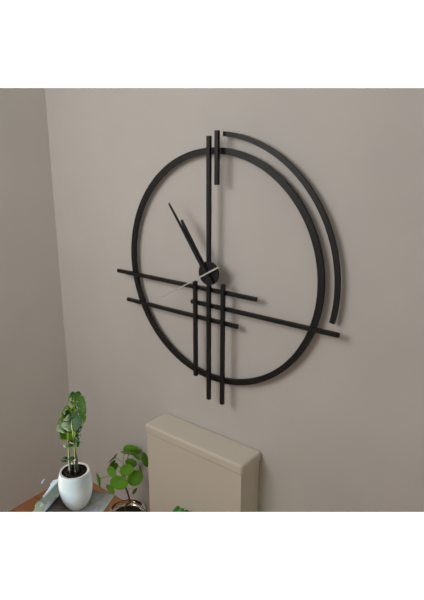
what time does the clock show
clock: 10:54:40
